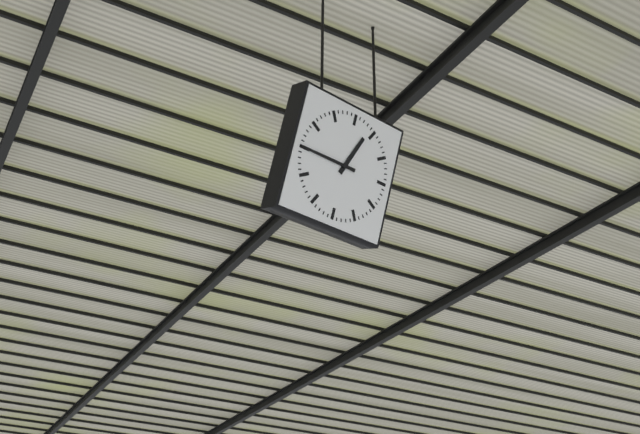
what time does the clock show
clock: 12:45
